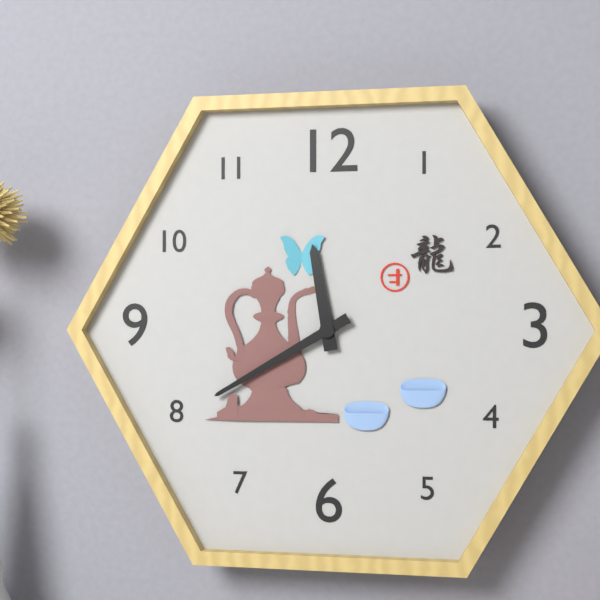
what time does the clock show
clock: 11:40
